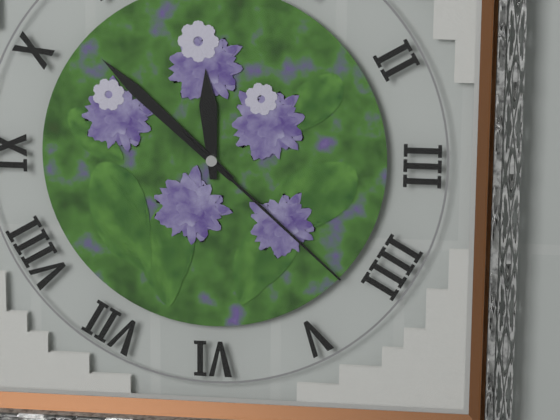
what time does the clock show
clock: 11:52:22
